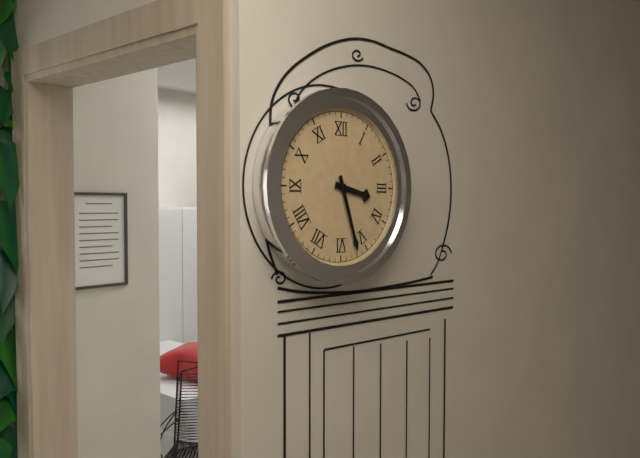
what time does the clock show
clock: 3:27
